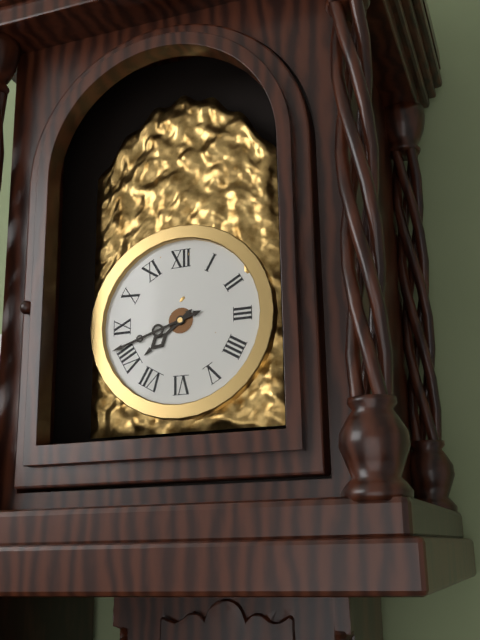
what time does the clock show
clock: 7:42
